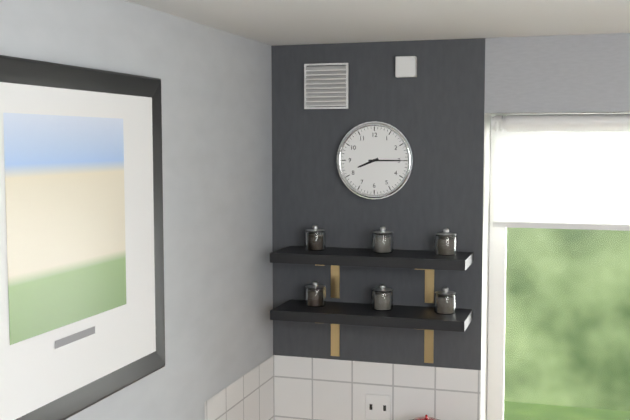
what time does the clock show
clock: 8:15
